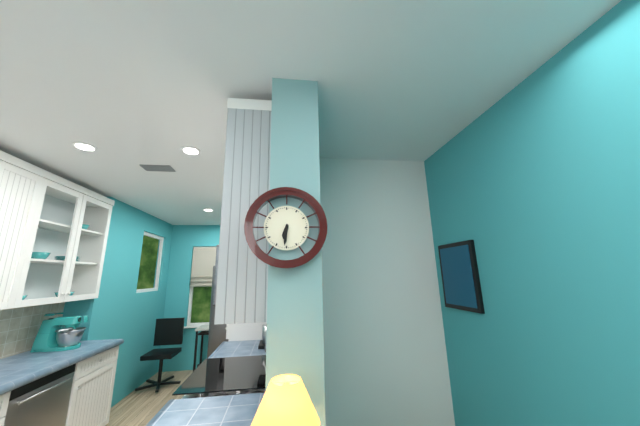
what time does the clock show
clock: 6:31
